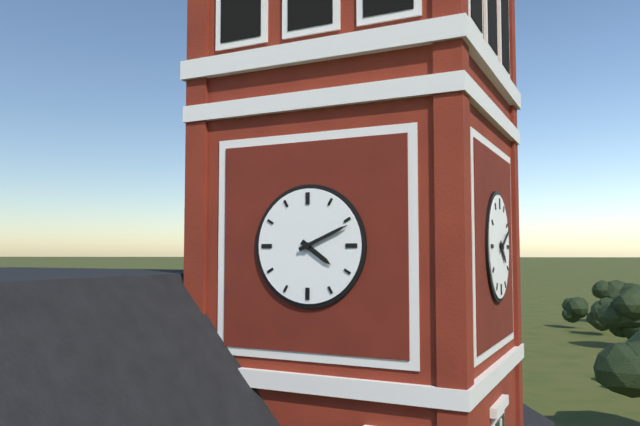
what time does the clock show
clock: 4:11
